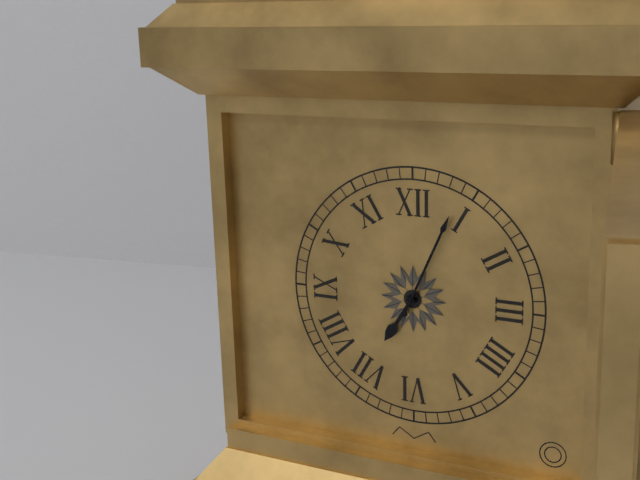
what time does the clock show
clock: 7:04
